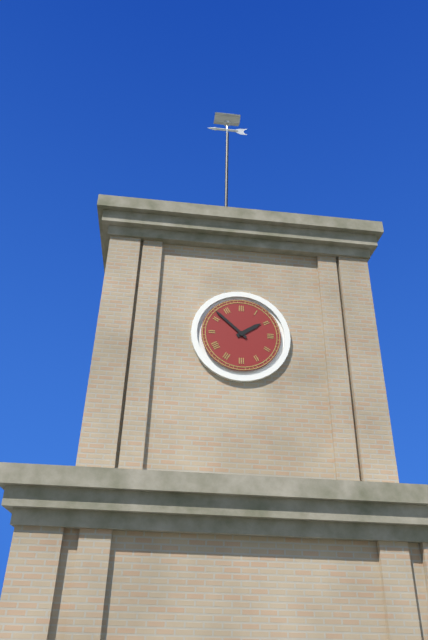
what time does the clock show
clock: 1:52
